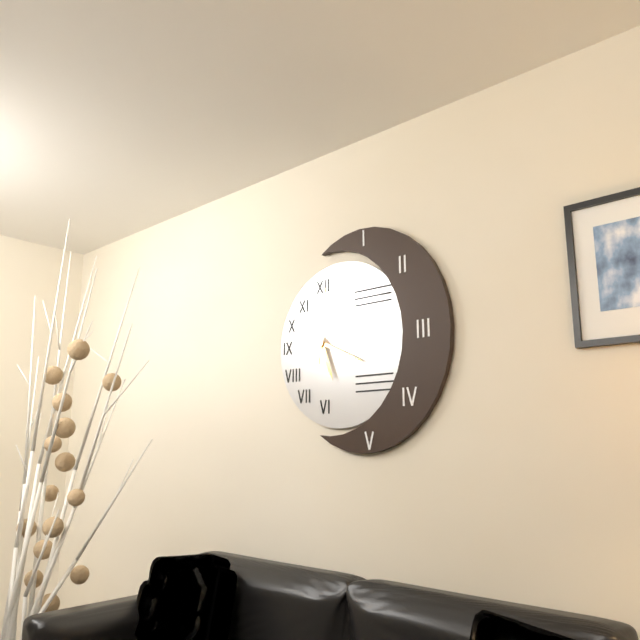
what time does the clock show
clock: 5:19:01
